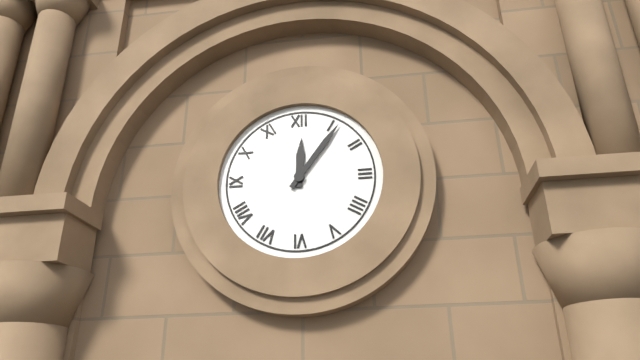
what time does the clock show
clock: 12:06
